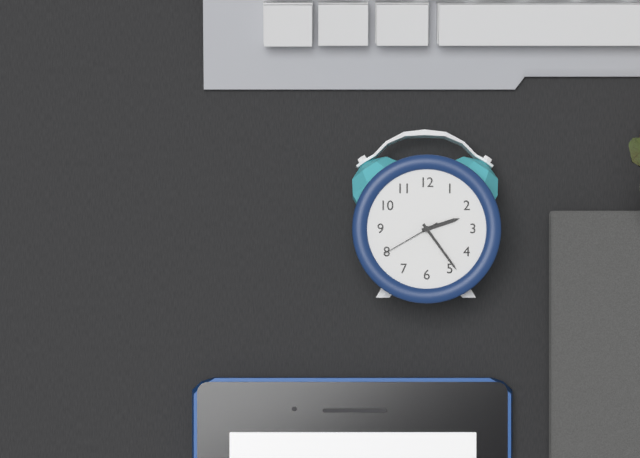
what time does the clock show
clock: 2:24:40
